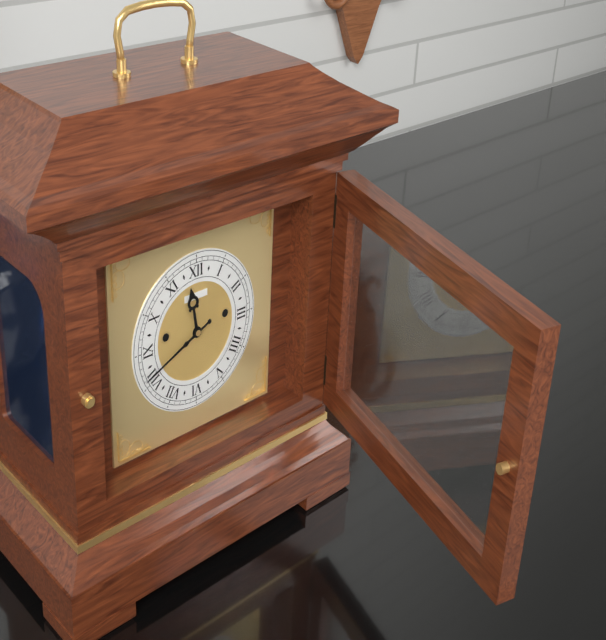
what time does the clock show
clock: 11:41
